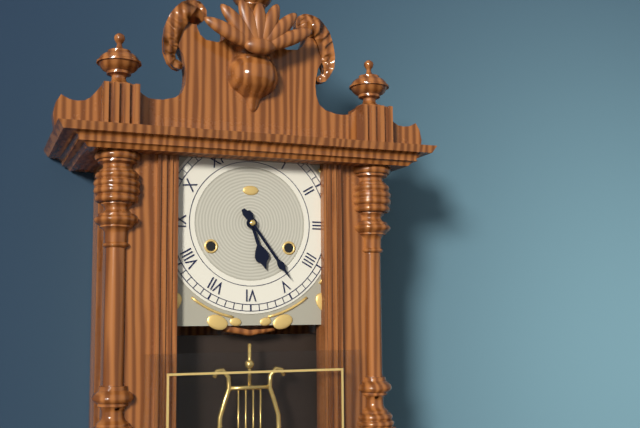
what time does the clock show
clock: 5:24
